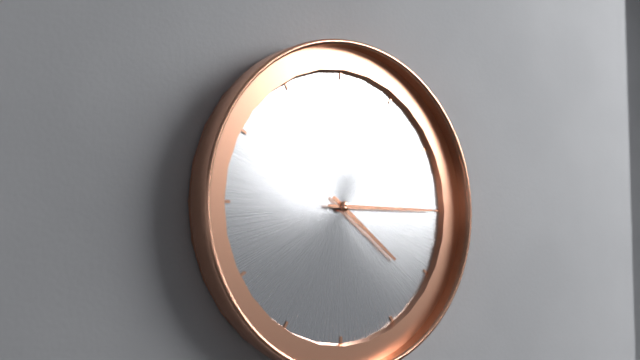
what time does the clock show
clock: 4:15
